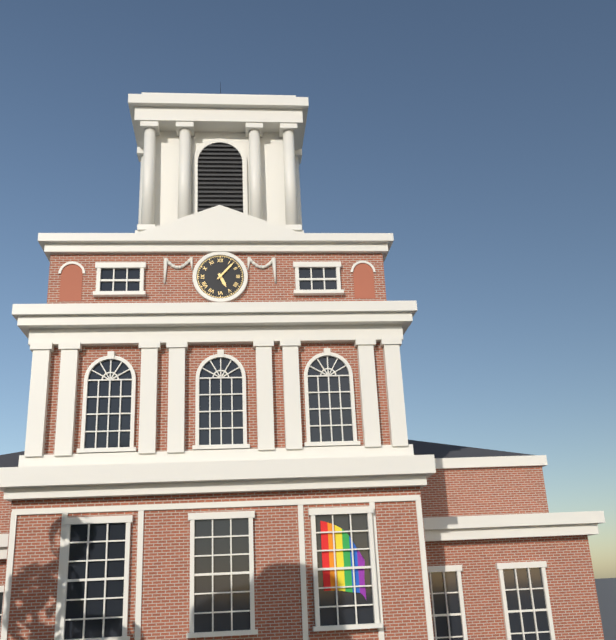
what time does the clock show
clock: 5:07
